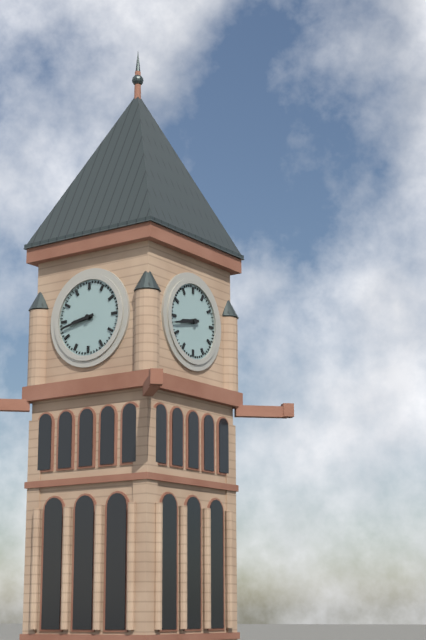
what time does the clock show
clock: 8:43
